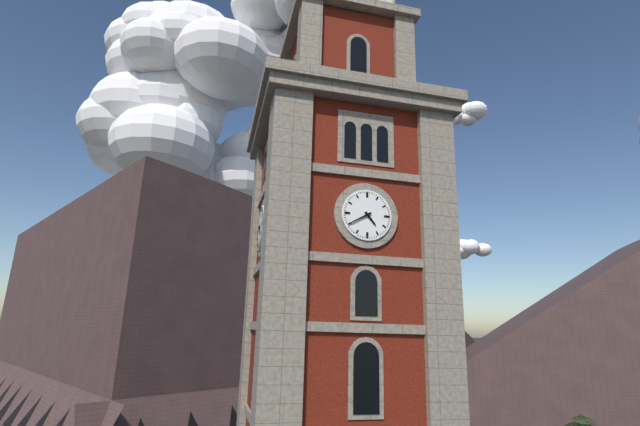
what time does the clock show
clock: 4:40
